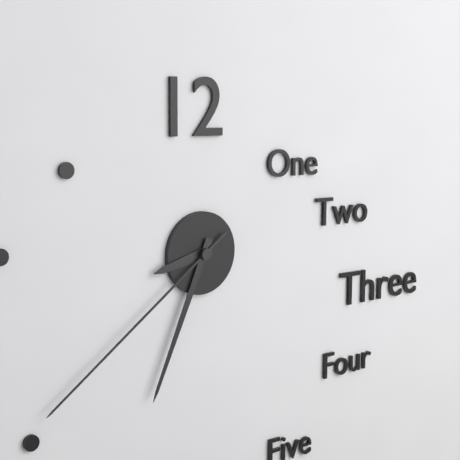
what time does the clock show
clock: 8:34:39
